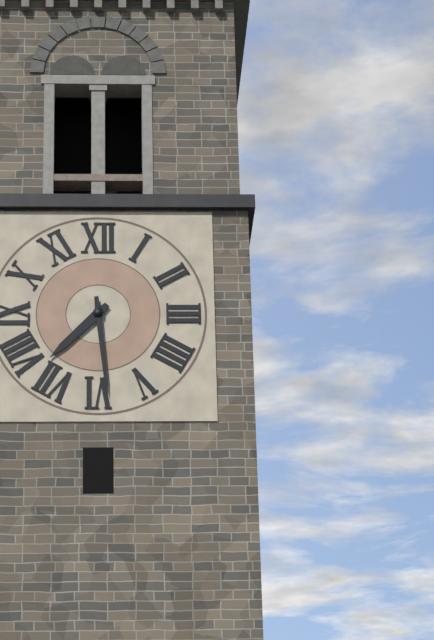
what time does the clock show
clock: 7:29
